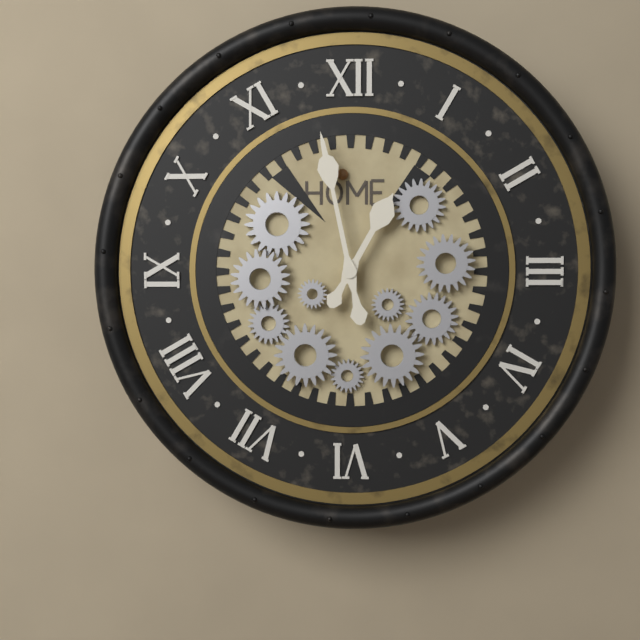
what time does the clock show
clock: 12:58
